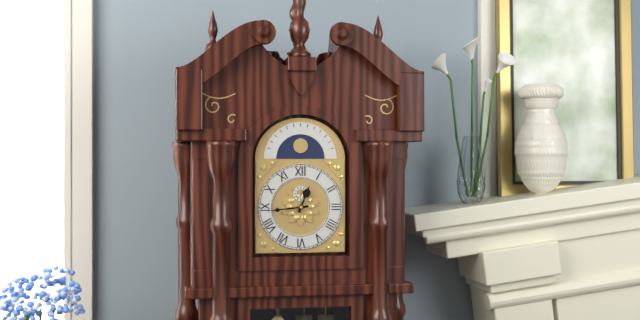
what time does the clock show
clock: 12:44
